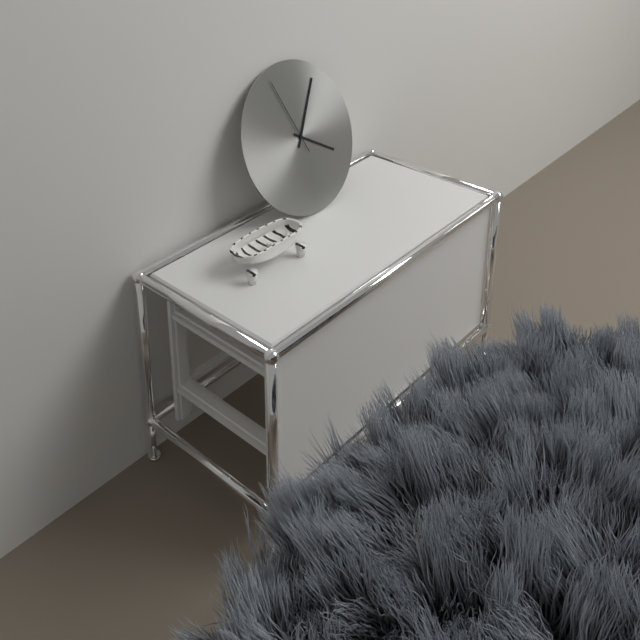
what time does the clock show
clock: 4:06:57
